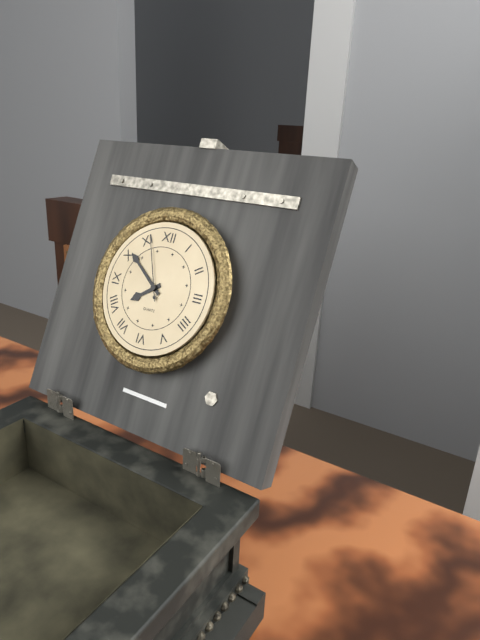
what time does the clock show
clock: 7:51:56
